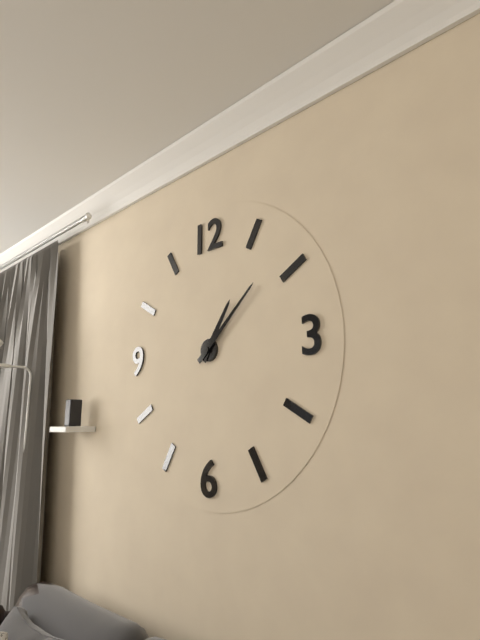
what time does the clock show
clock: 1:08
